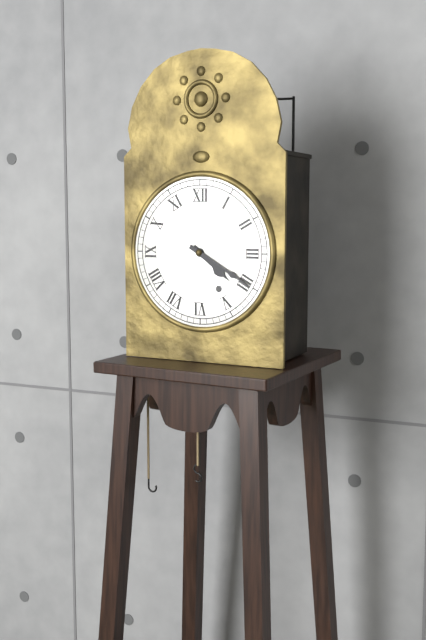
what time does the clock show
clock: 4:20
